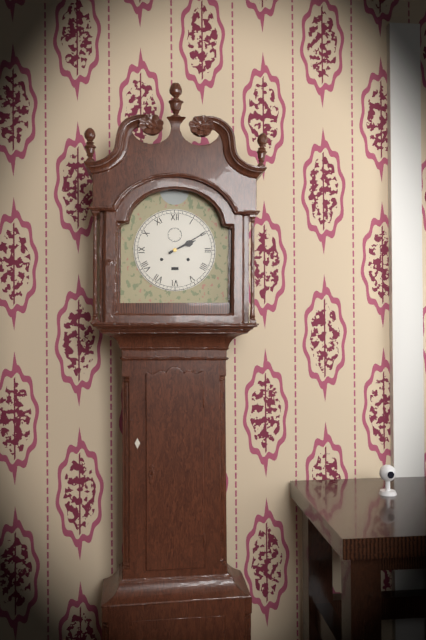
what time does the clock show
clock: 2:10
